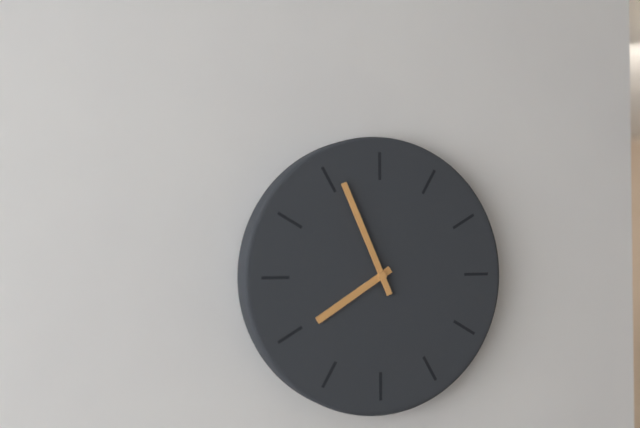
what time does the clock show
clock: 7:56
